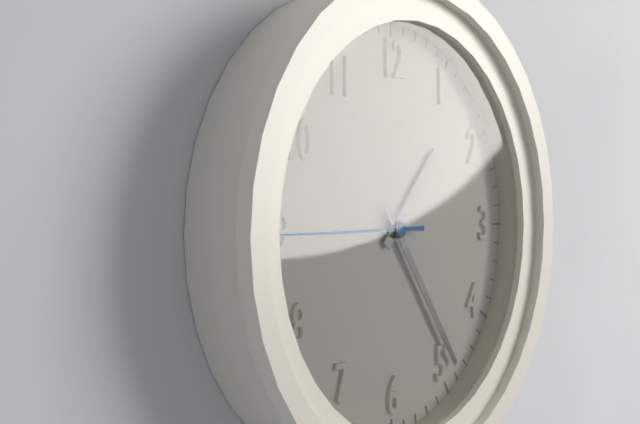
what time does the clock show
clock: 1:24:45
